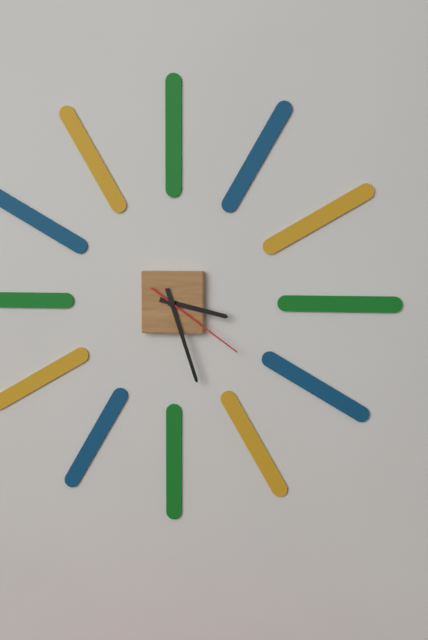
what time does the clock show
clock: 3:27:21
